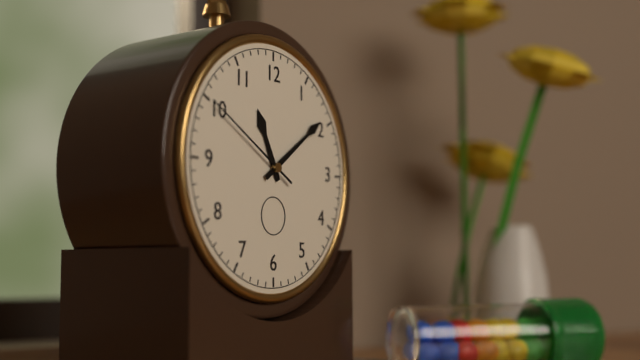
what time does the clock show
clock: 11:09:50
